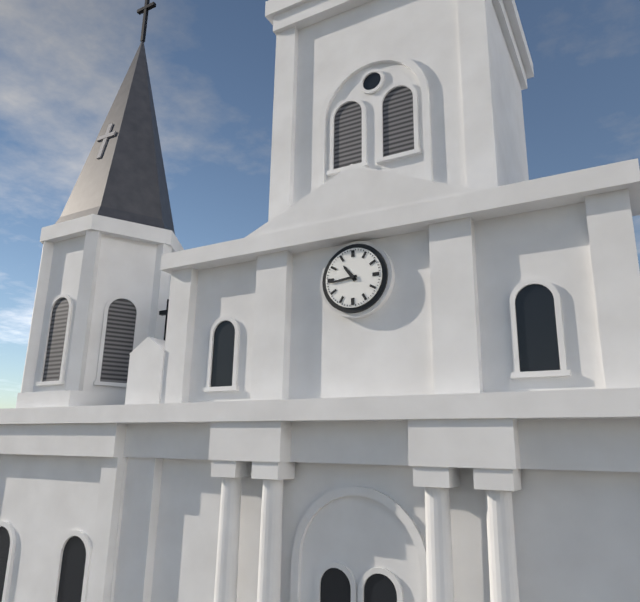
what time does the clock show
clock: 10:44
